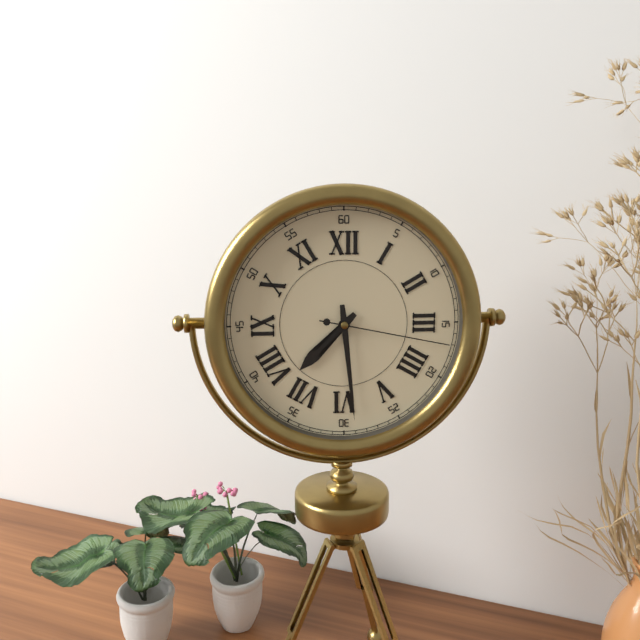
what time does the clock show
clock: 7:29:17
